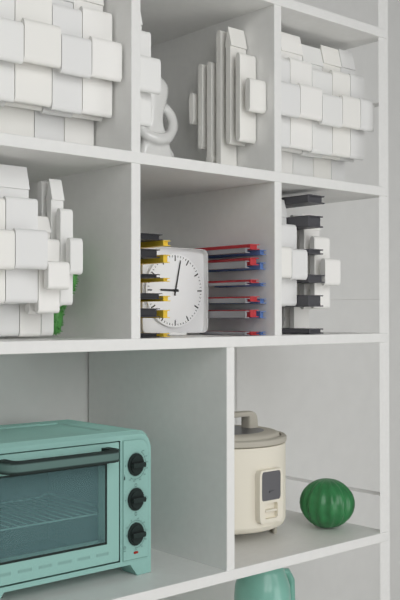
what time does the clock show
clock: 9:02
